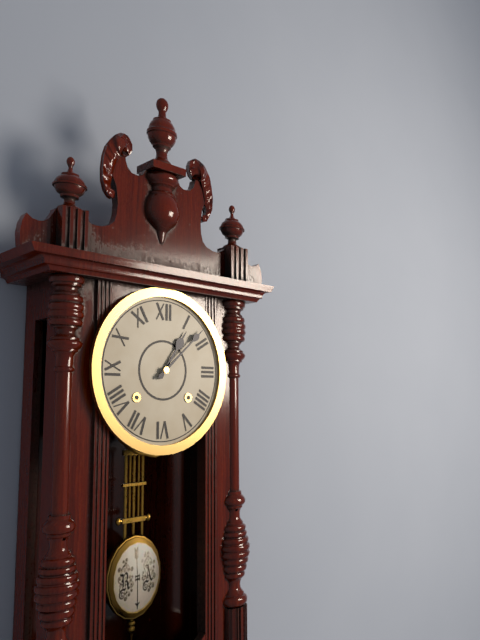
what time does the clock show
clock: 1:08
